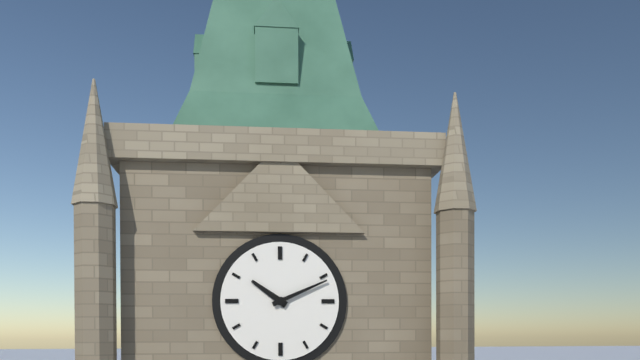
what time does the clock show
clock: 10:11
